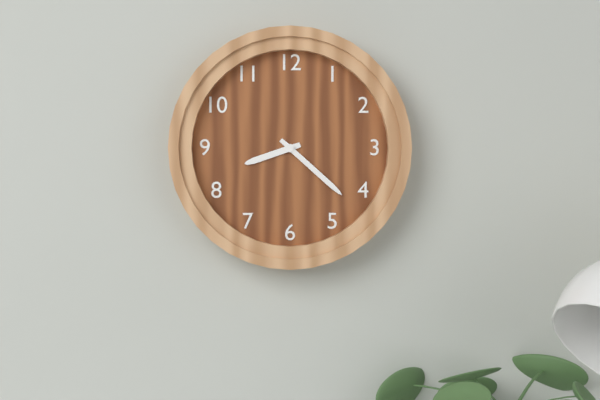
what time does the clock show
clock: 8:22
